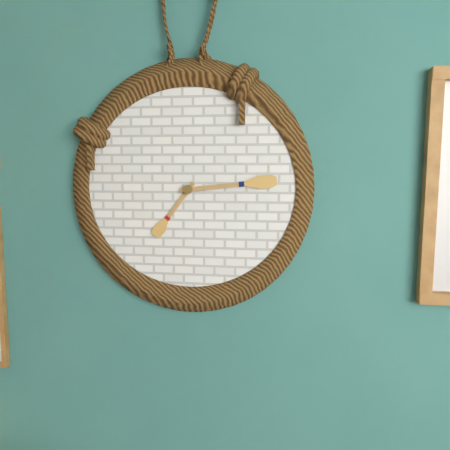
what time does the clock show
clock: 7:14
